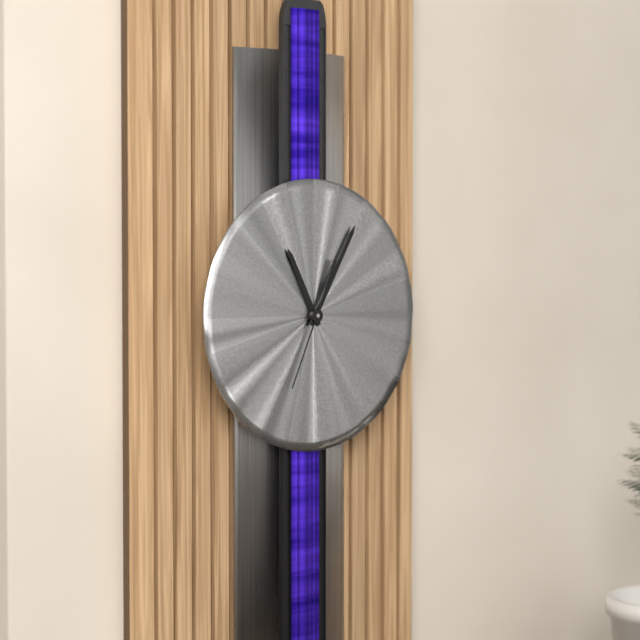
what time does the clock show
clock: 11:05:34
